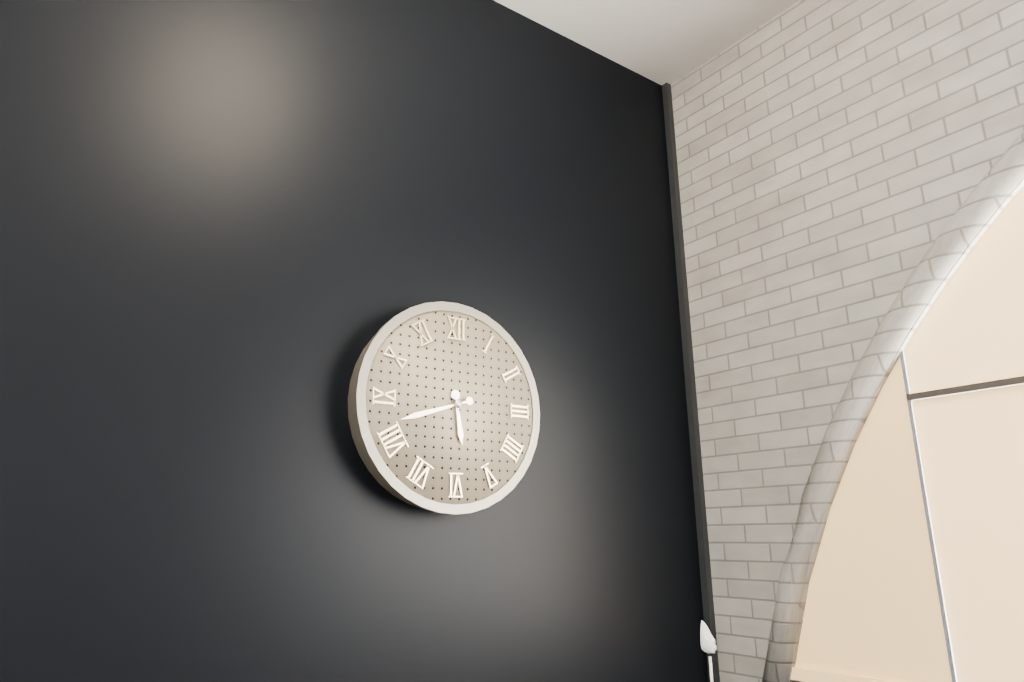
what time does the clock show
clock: 5:42
